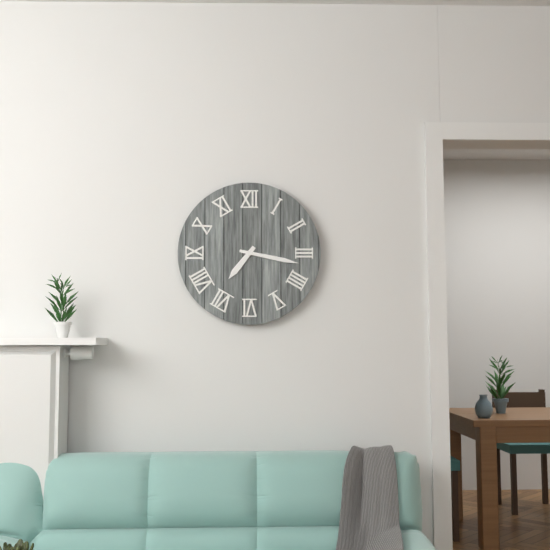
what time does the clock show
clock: 7:17
